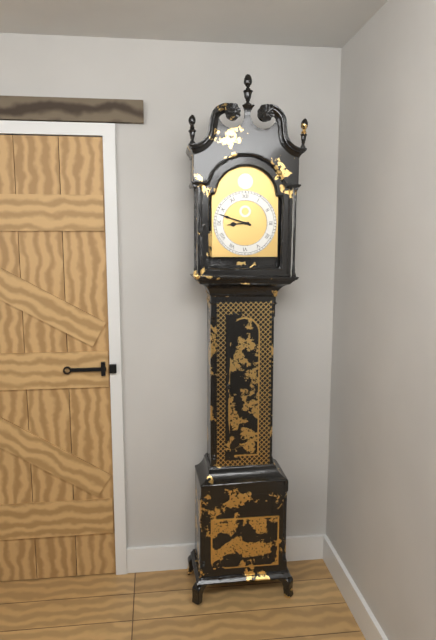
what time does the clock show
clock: 8:48
